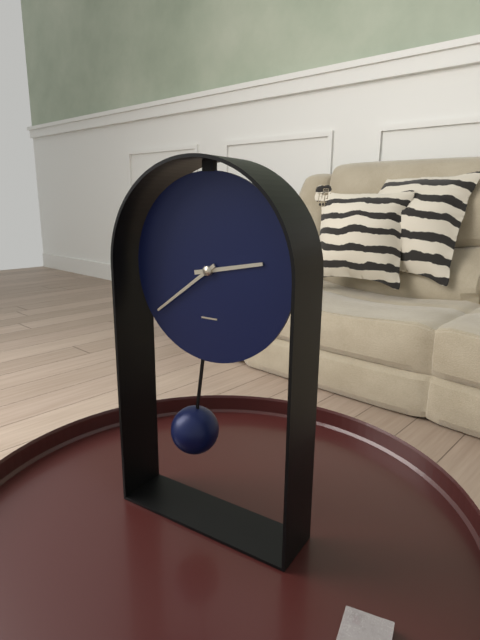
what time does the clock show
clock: 2:39
